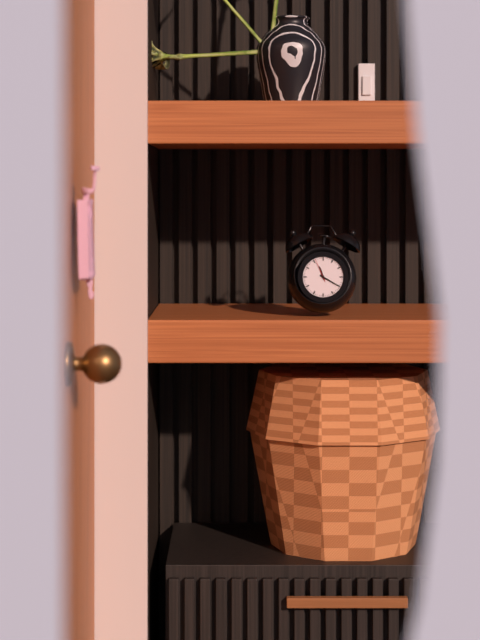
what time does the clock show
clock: 11:20
